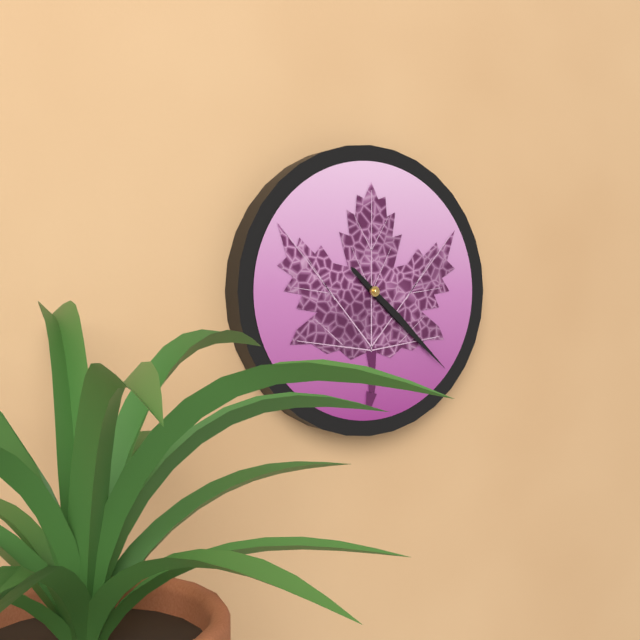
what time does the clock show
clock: 4:22
